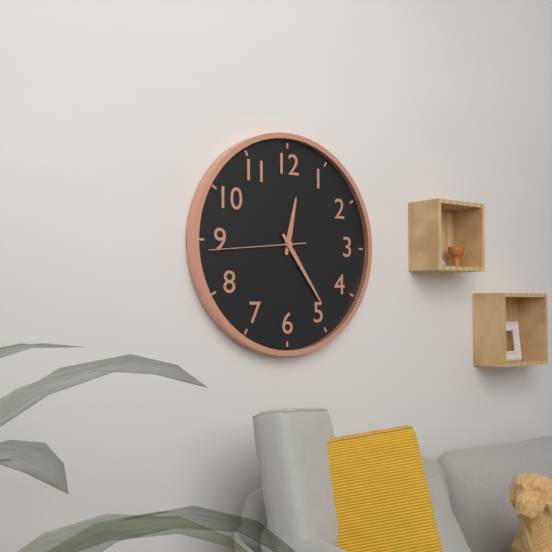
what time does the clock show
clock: 12:24:44
